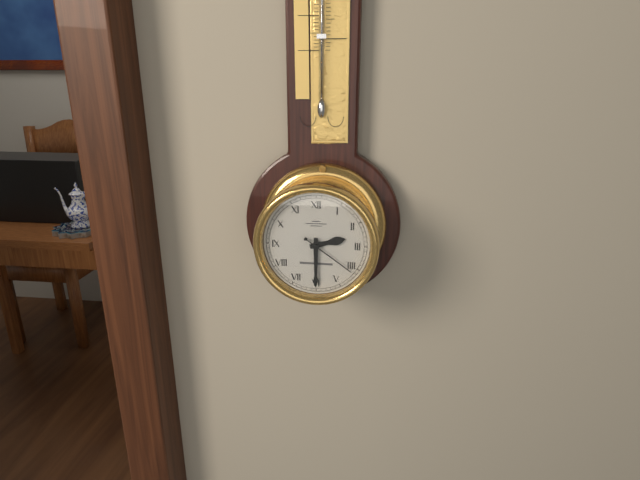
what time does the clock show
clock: 2:30:21
